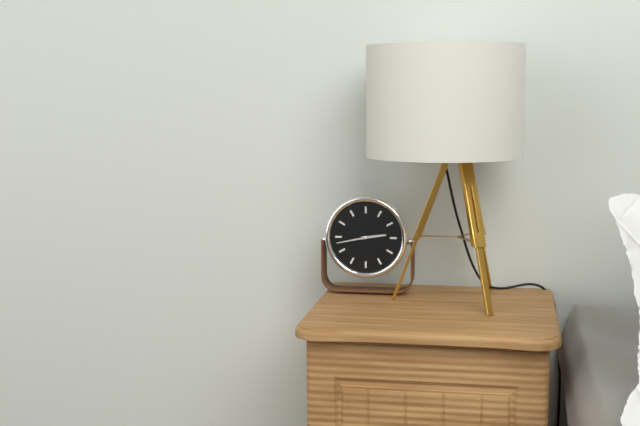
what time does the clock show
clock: 2:43
